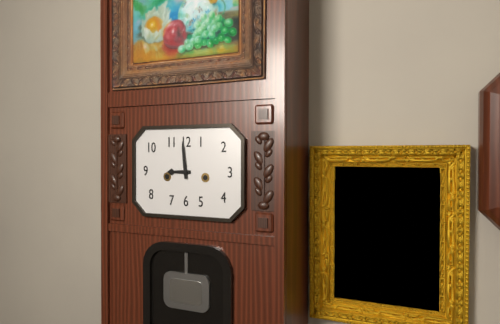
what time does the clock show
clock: 8:59
